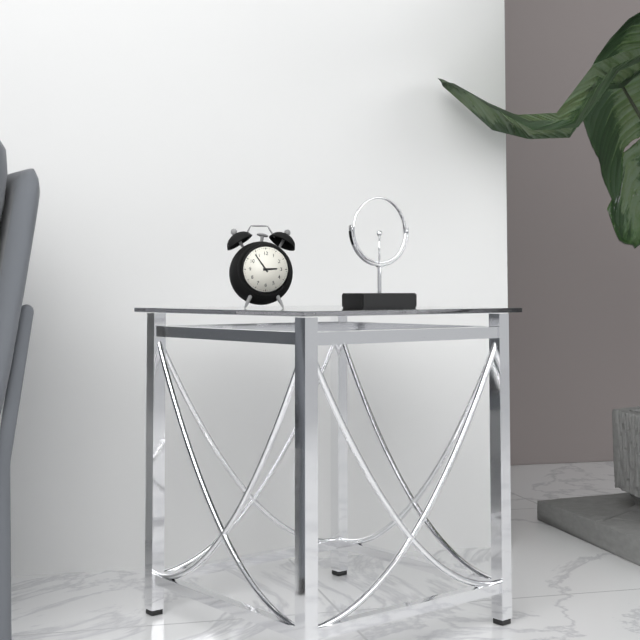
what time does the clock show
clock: 2:54
